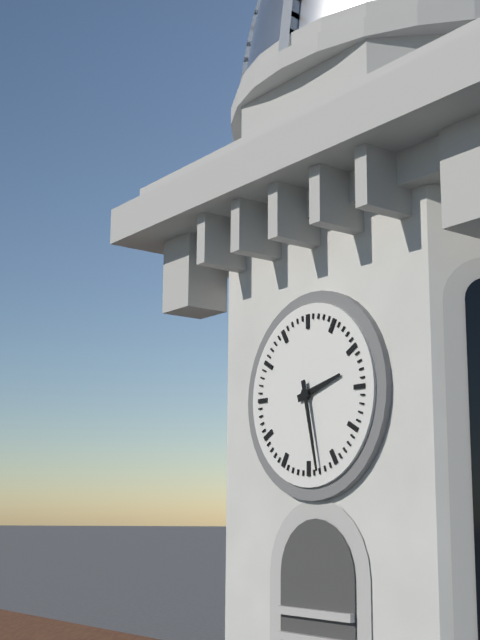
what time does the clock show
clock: 2:28
